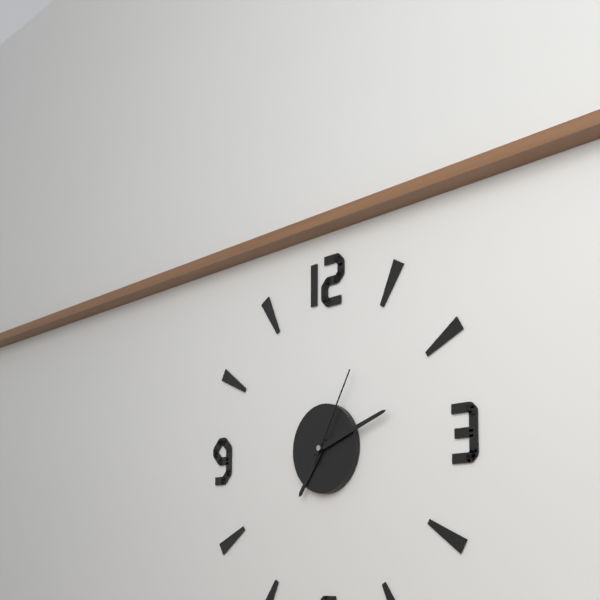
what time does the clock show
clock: 7:12:05
